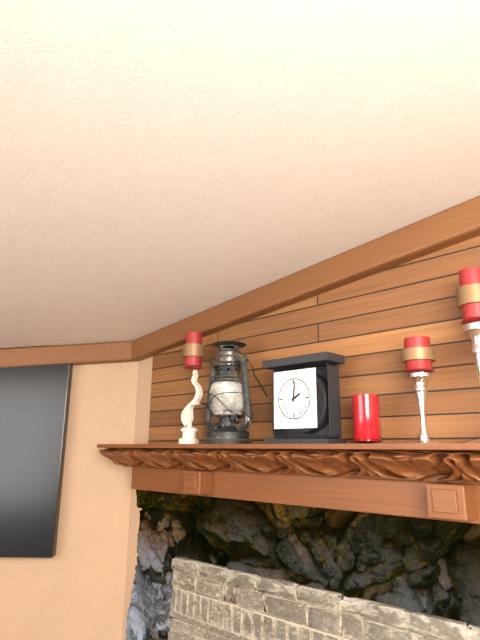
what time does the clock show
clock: 2:01
